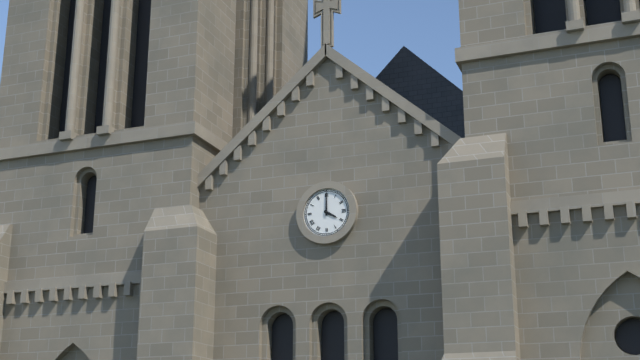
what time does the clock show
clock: 4:00
